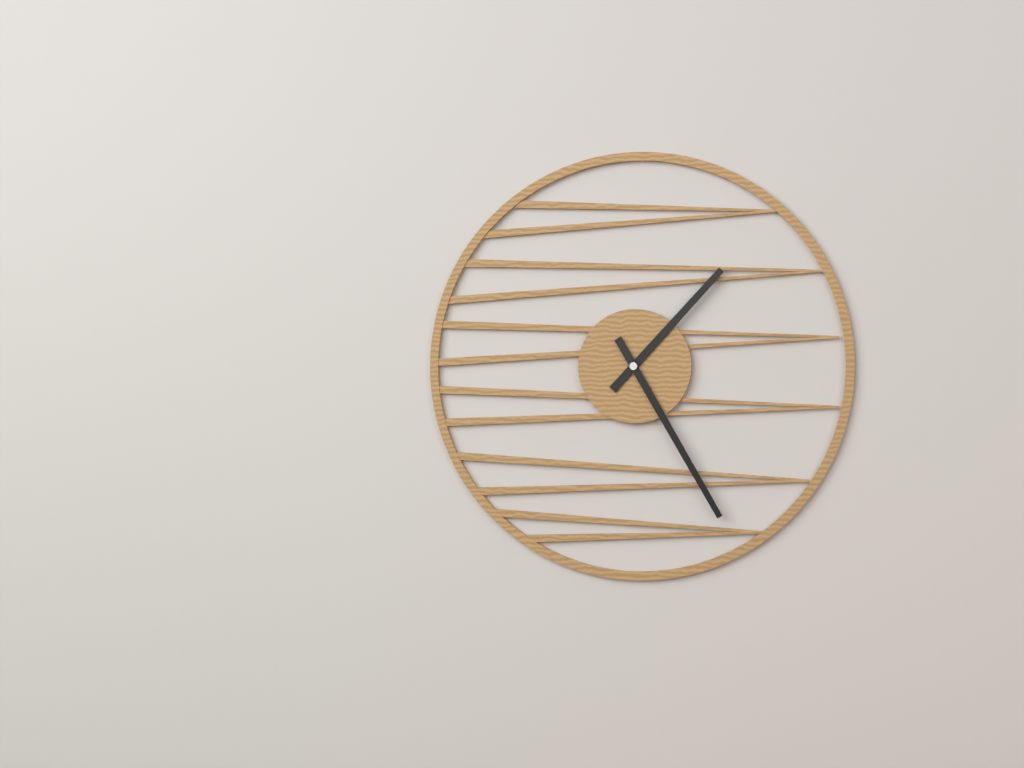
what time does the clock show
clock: 1:25
